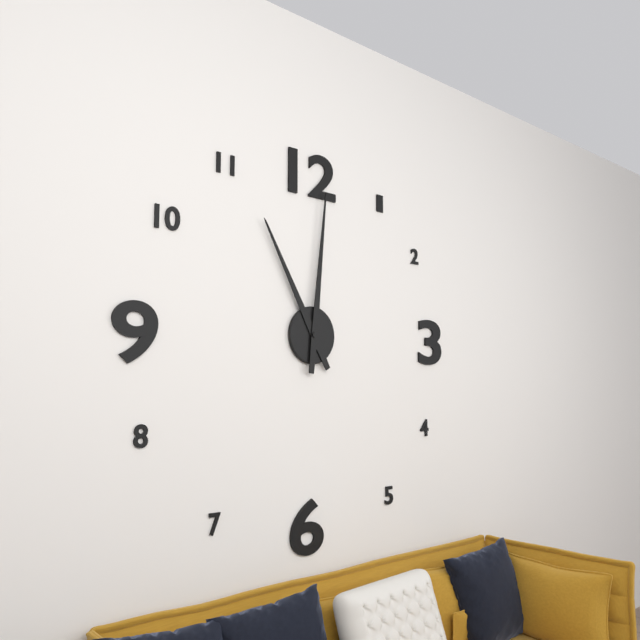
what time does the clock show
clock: 11:01
